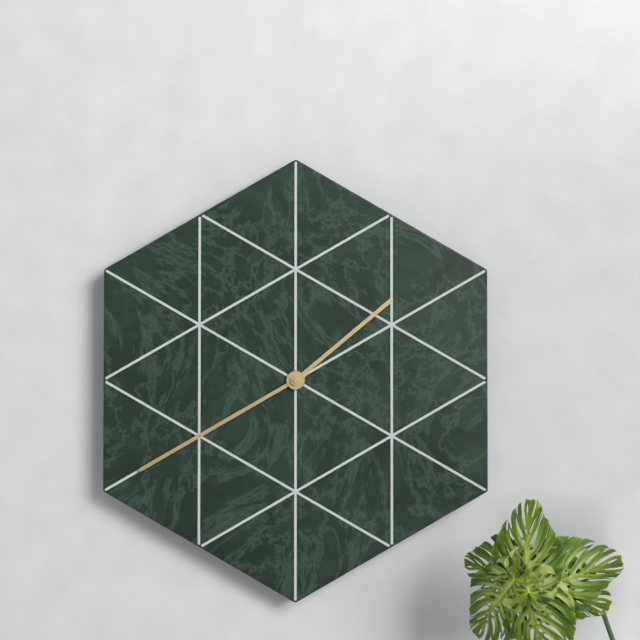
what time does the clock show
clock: 1:40
